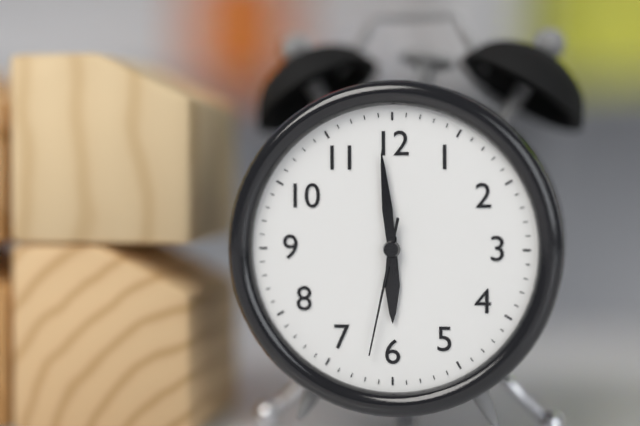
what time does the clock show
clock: 5:59:32
